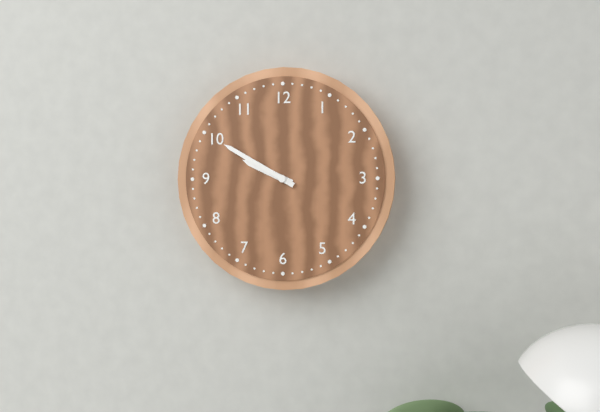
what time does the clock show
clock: 9:50
